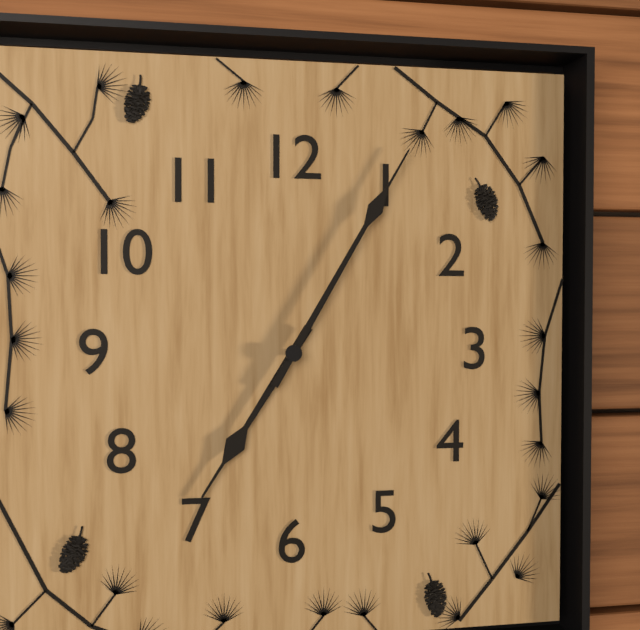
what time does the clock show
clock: 7:05
